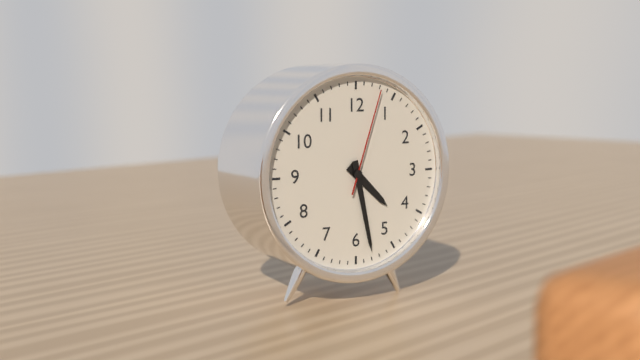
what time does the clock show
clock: 4:28:03
